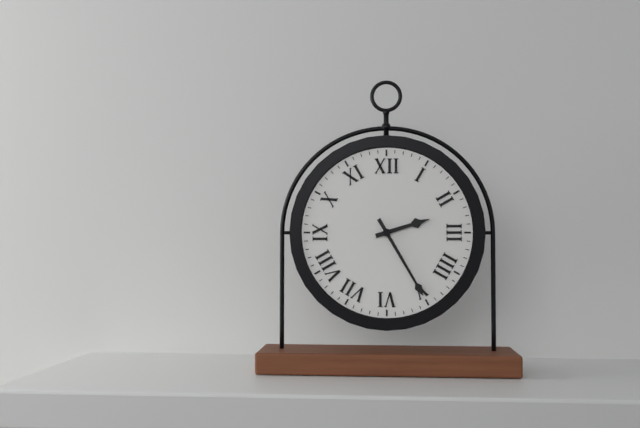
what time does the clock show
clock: 2:25
